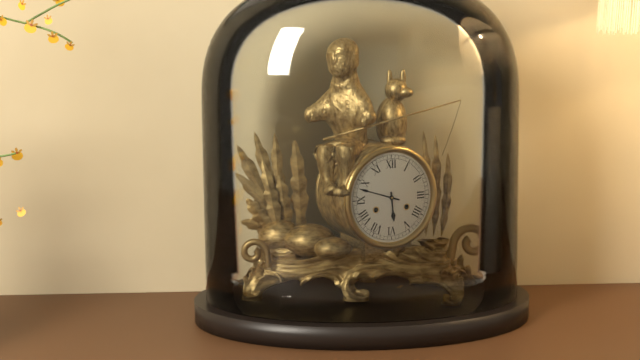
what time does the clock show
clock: 5:48
